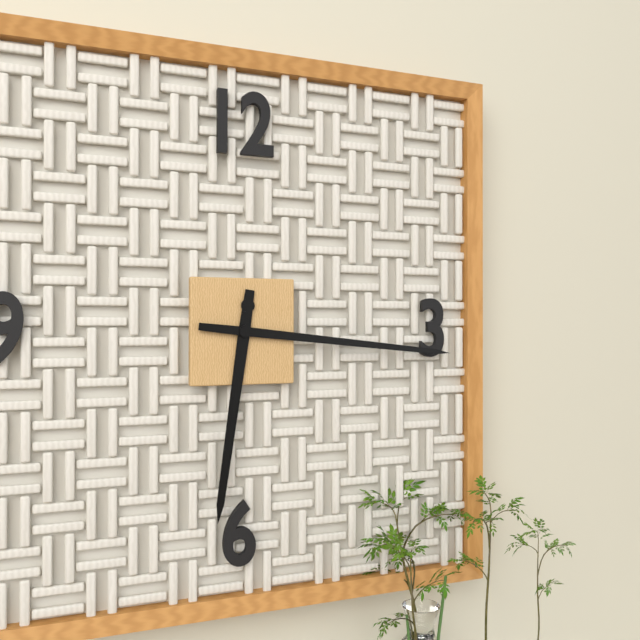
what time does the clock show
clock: 6:16
